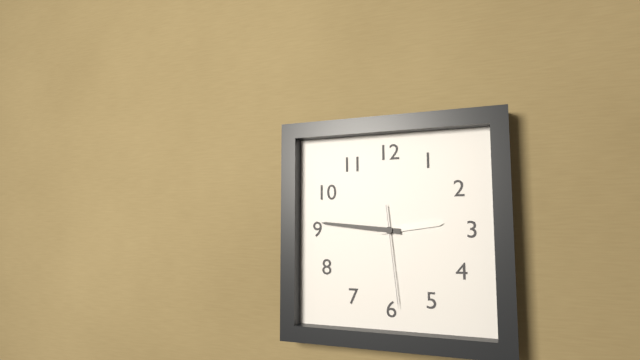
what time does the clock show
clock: 2:46:29
